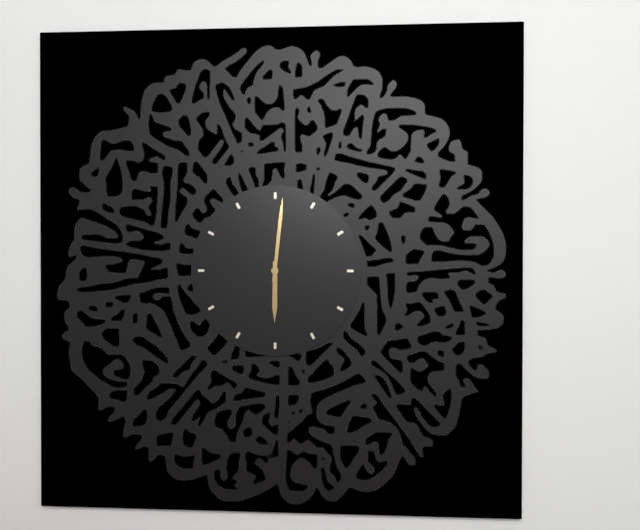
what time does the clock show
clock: 6:01
